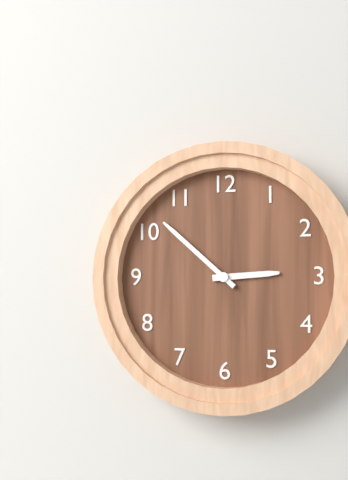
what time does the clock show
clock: 2:52
